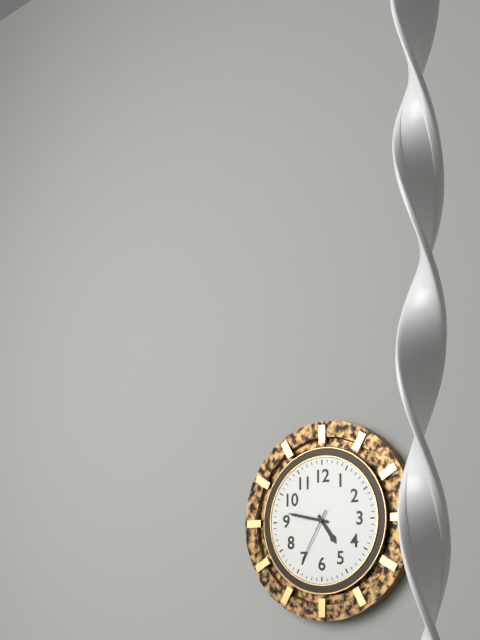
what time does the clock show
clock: 4:47:35
